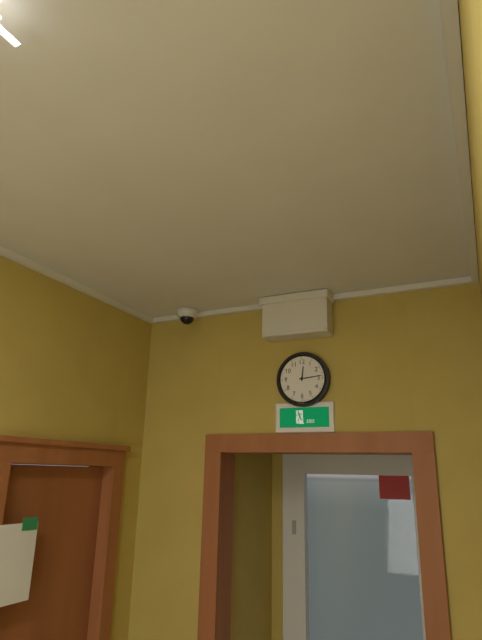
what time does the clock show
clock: 12:14
